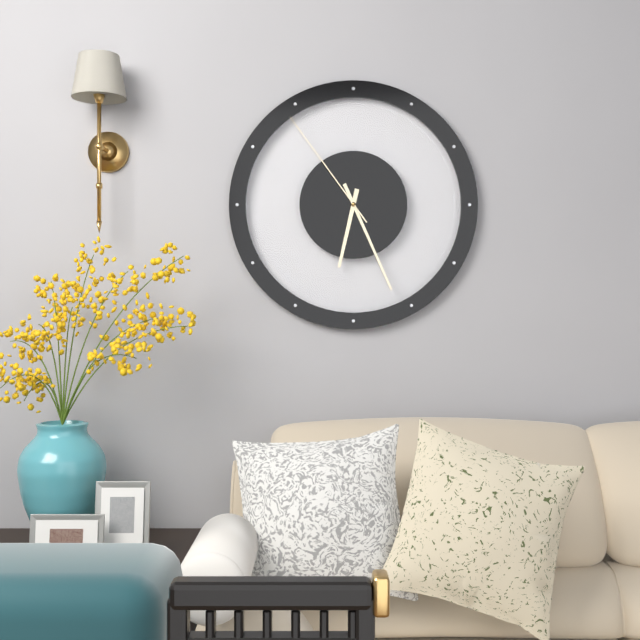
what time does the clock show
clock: 6:26:54
